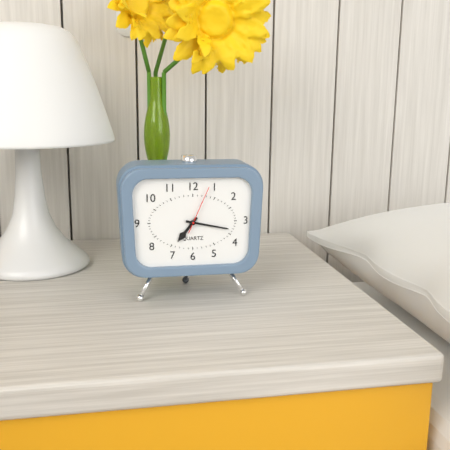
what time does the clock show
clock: 7:17
